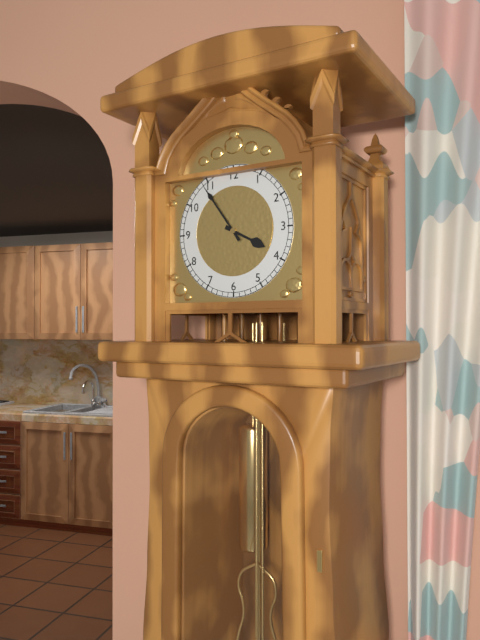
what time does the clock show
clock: 3:54
